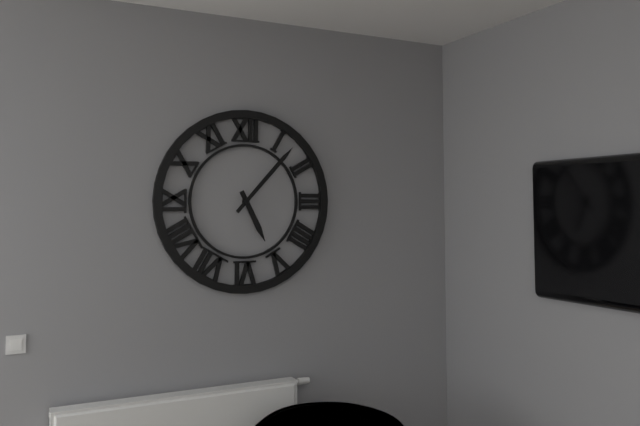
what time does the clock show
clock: 5:07
